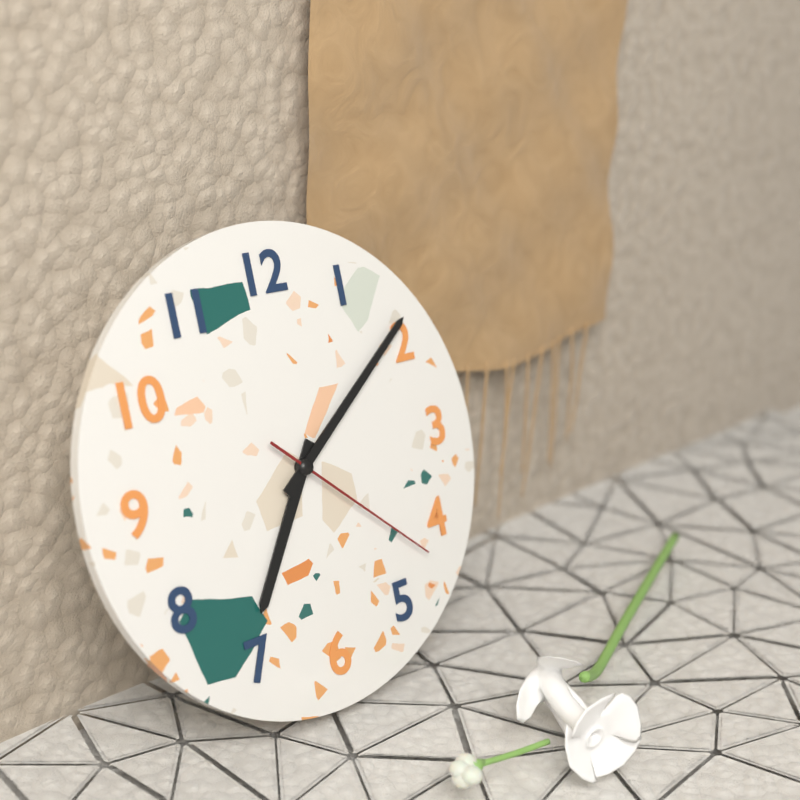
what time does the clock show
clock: 7:09:22
